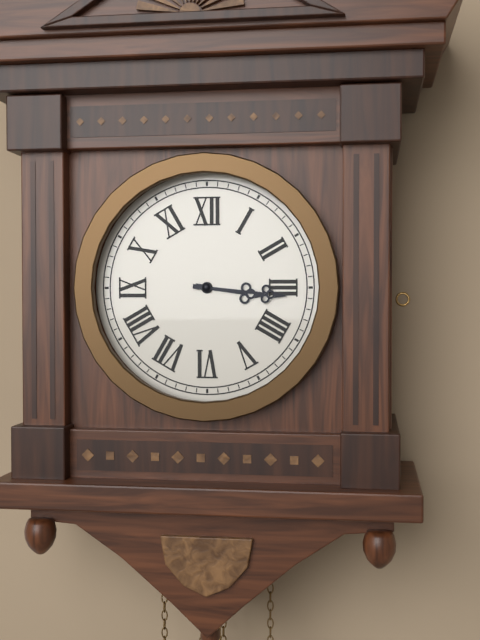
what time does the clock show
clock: 3:16
